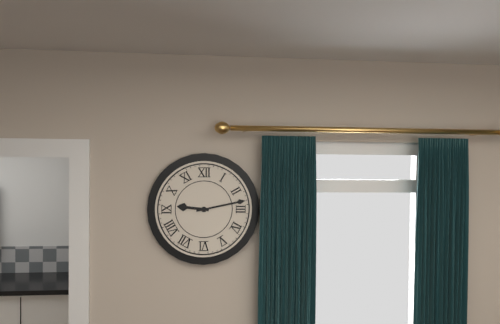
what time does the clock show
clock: 9:13
